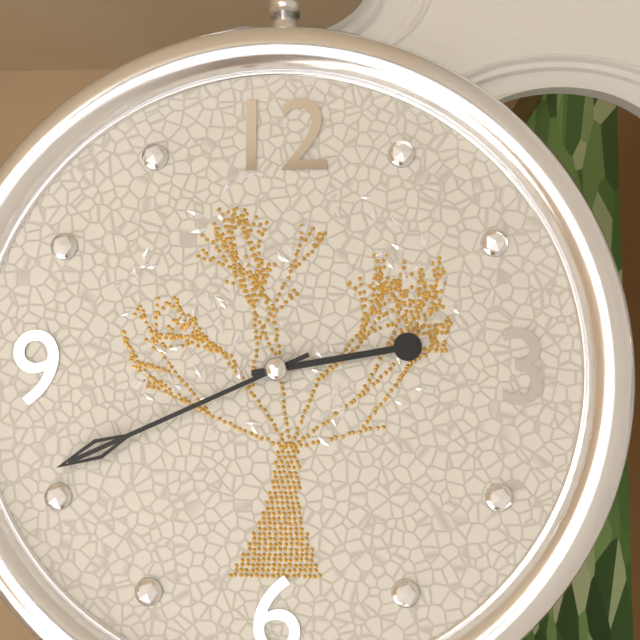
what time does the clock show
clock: 2:41
